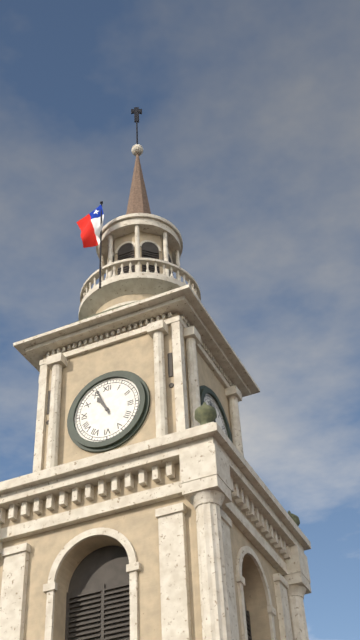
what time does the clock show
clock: 10:56
